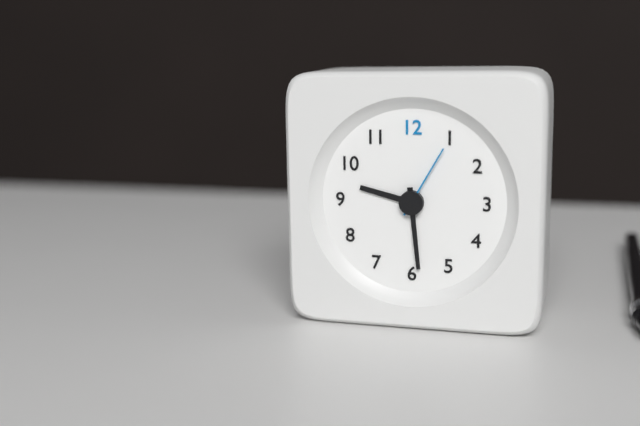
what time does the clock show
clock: 9:29:05
